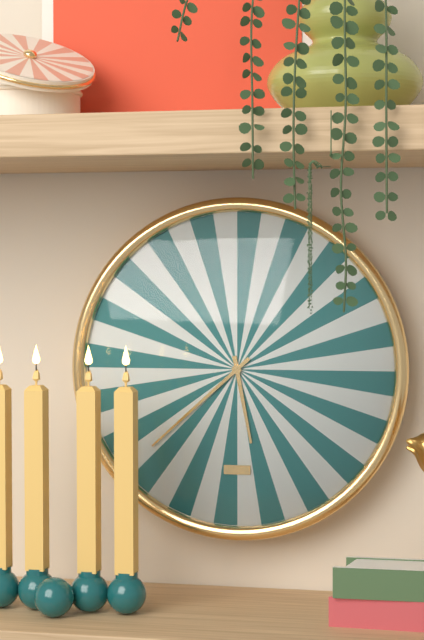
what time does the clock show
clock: 5:38
